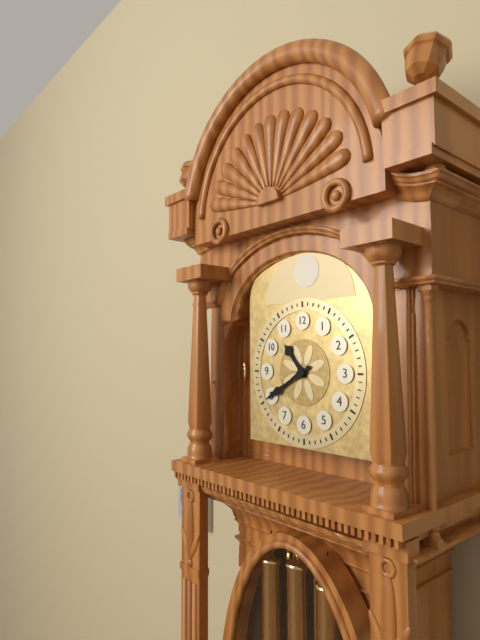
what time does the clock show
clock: 10:40
